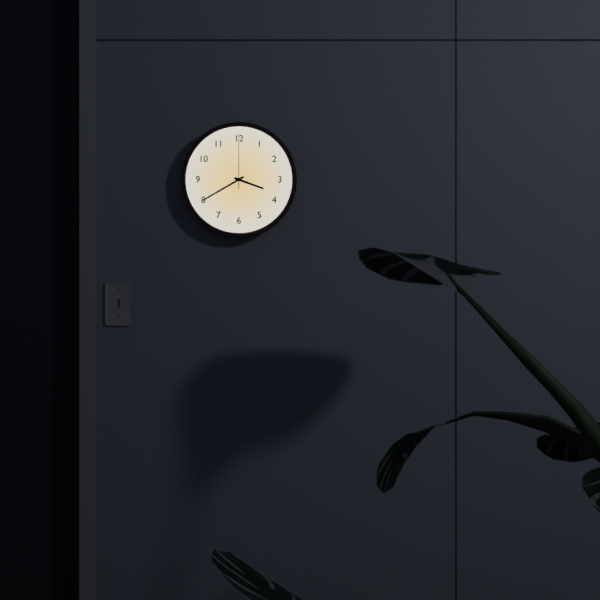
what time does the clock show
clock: 3:40:00
